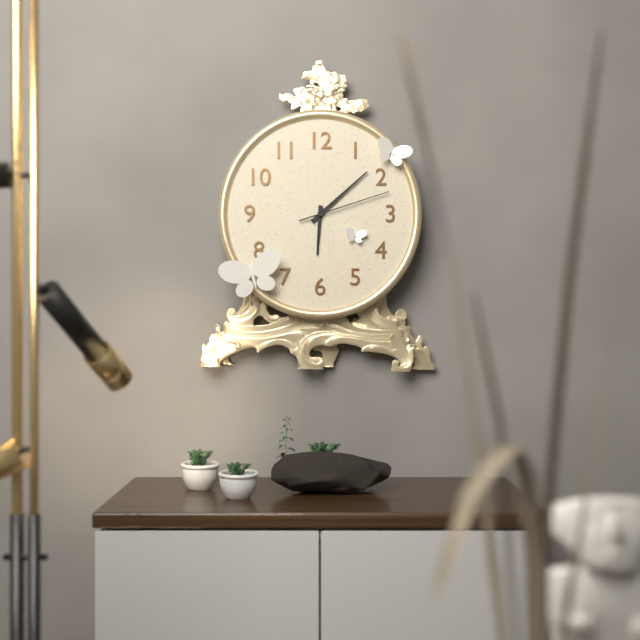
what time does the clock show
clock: 6:08:12
